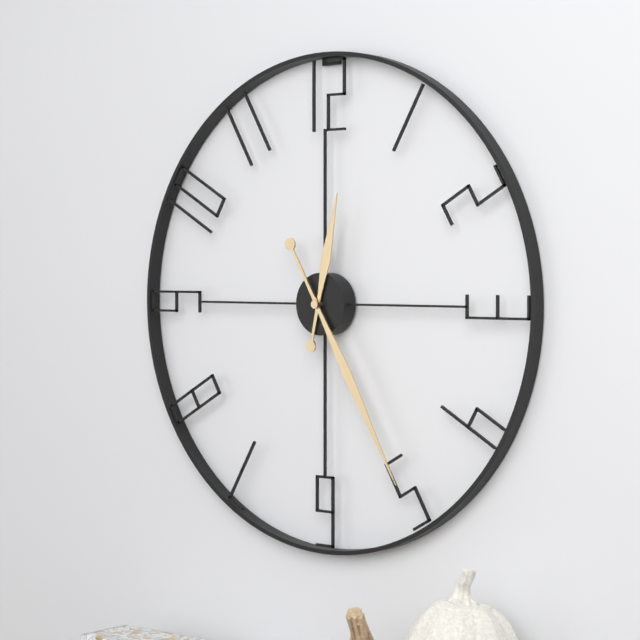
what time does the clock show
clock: 12:25
